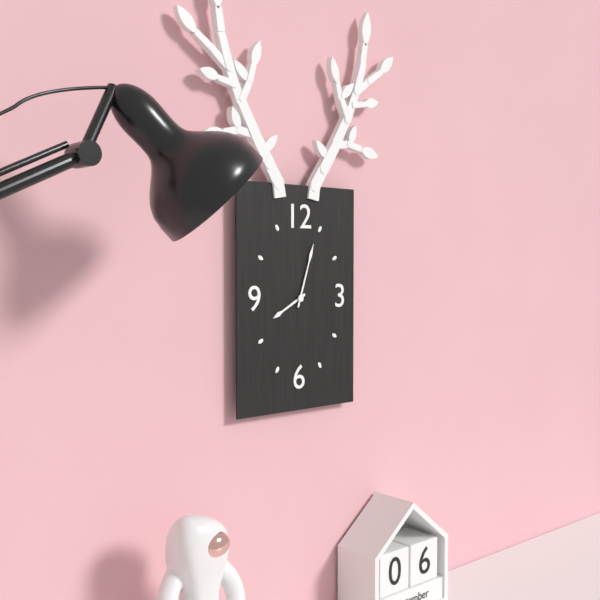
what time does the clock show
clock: 8:03
